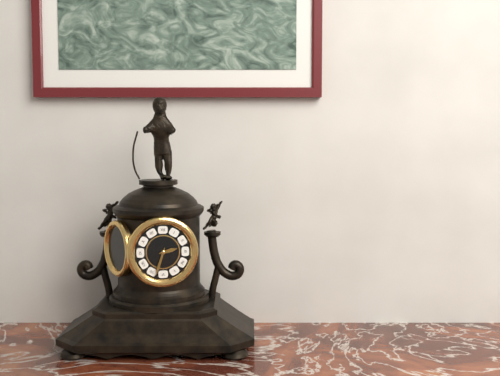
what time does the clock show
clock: 2:33
